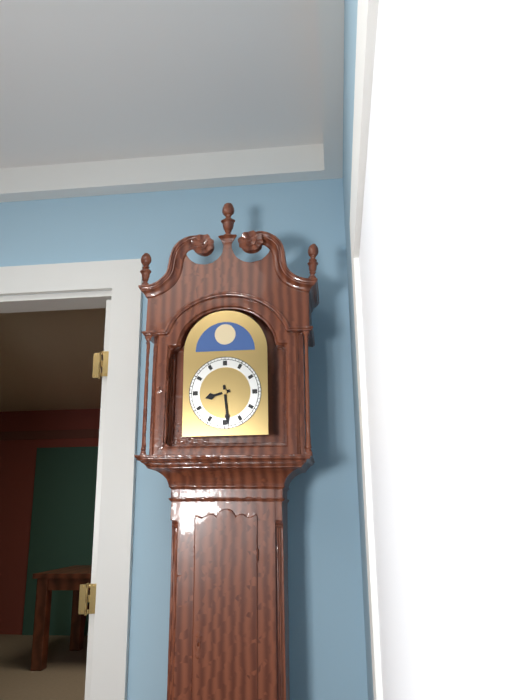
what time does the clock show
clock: 8:29
